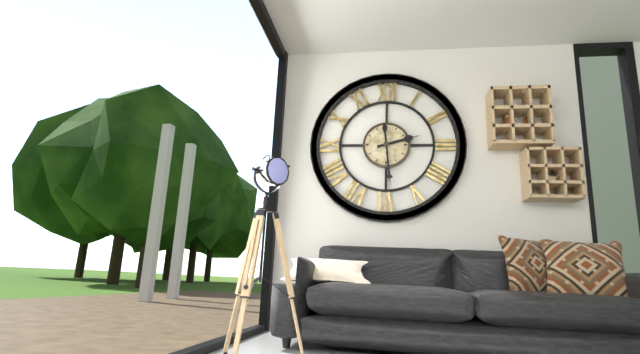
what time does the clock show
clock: 2:29
